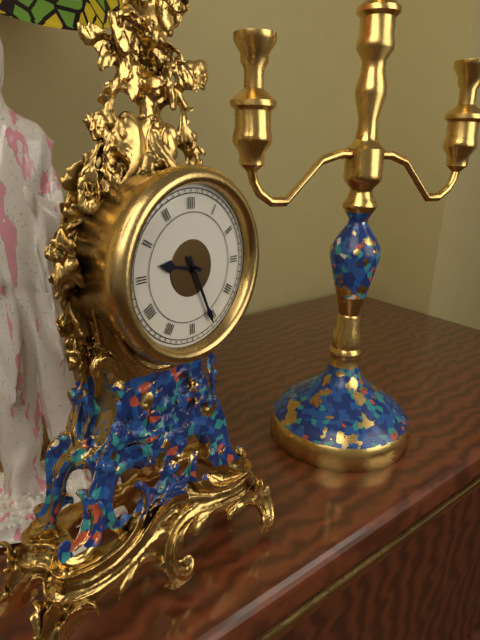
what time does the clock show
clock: 9:26
